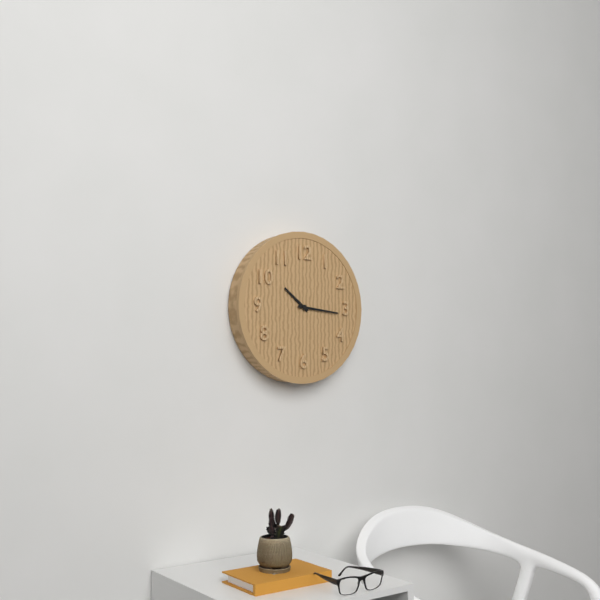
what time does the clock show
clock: 10:16
